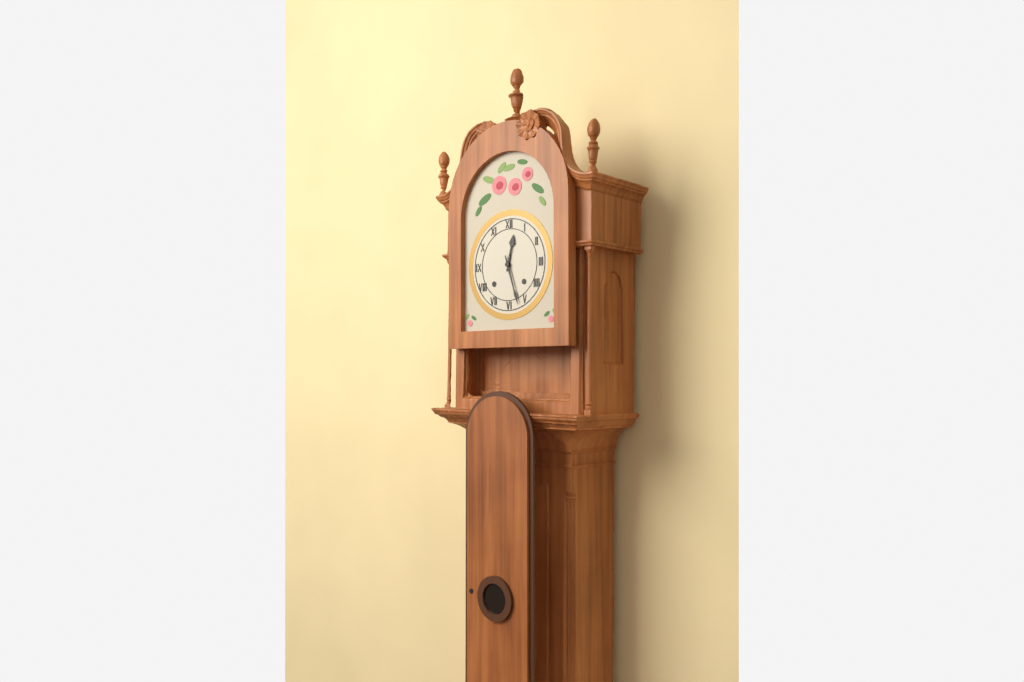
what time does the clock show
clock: 12:27
